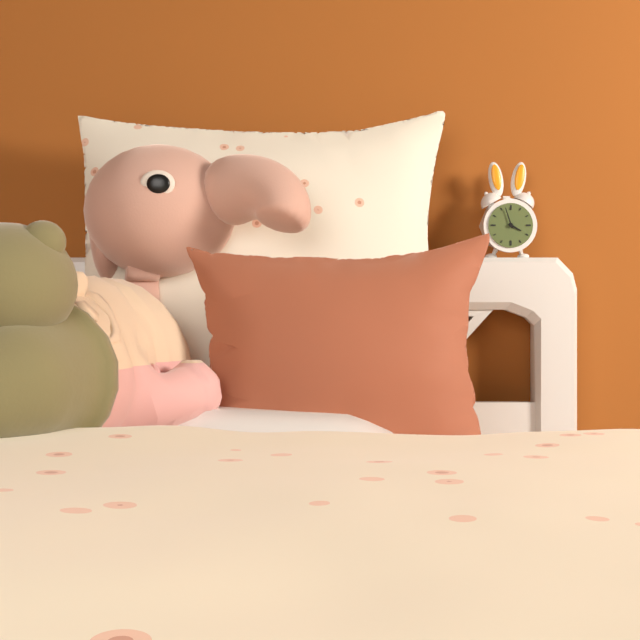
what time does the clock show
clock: 3:57
